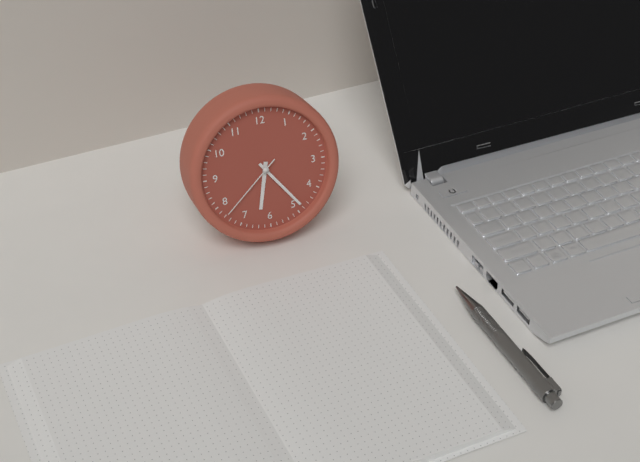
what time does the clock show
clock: 6:24:38
